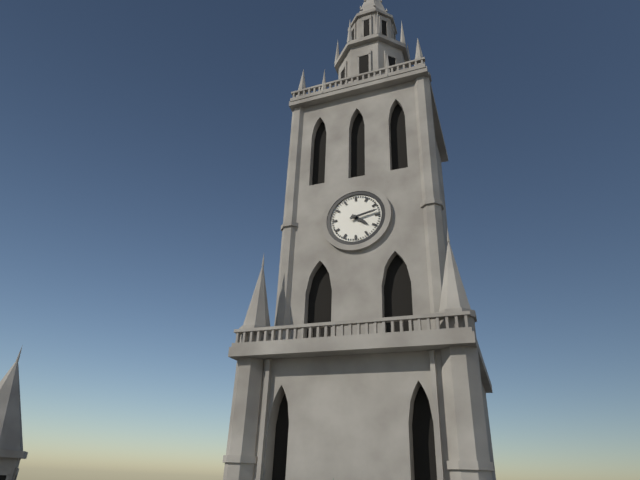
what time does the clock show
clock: 4:13
